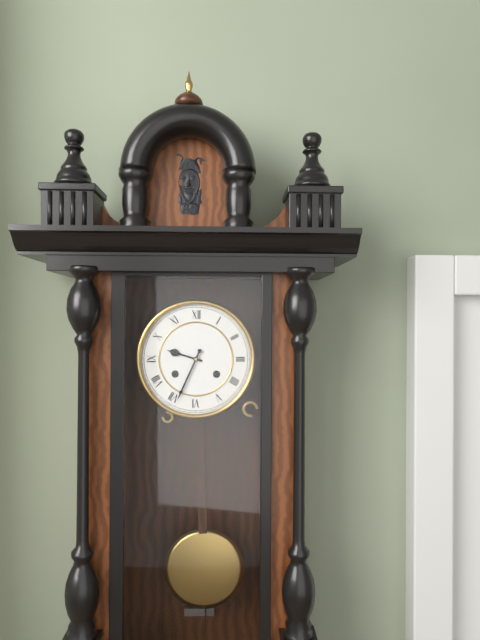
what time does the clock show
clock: 9:34
